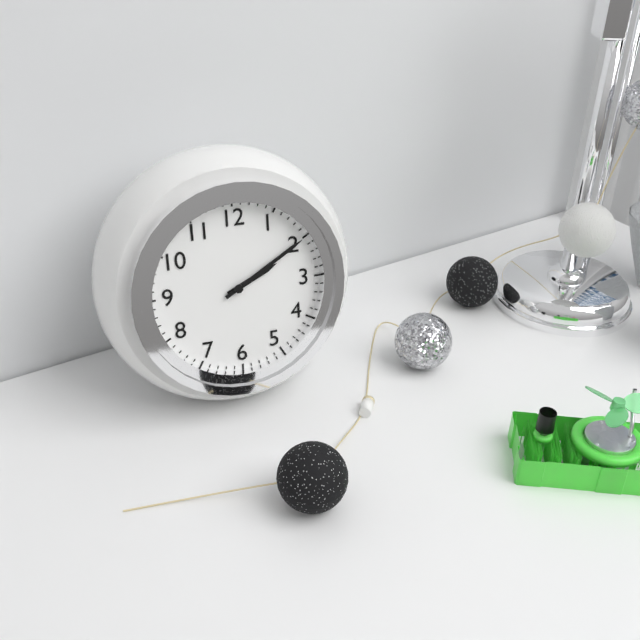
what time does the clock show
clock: 2:10
